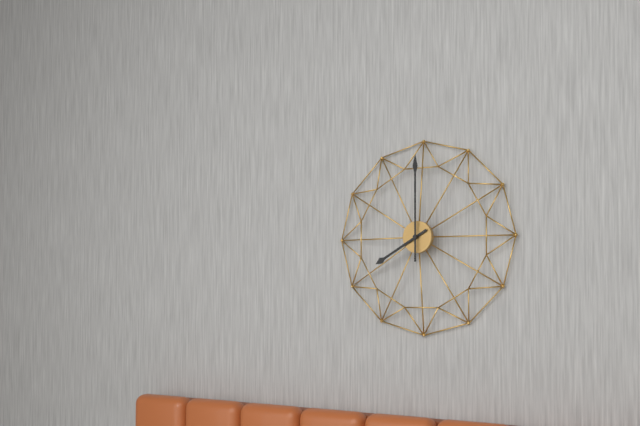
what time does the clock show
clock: 8:00
